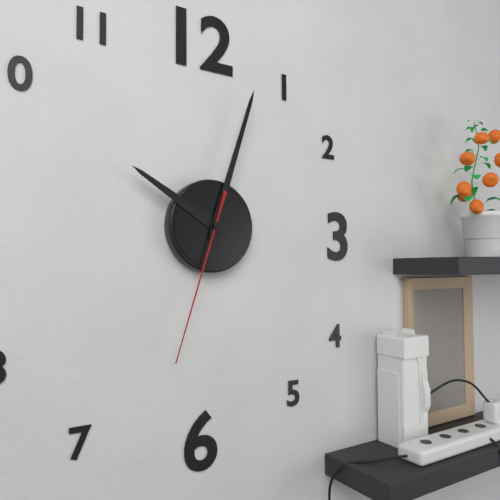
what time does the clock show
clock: 10:03:33
